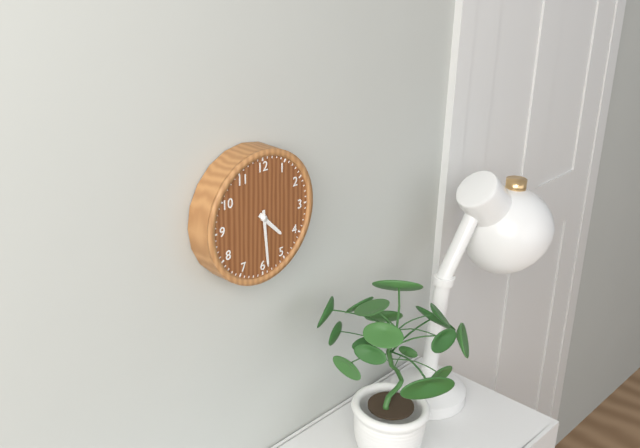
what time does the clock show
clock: 4:29
